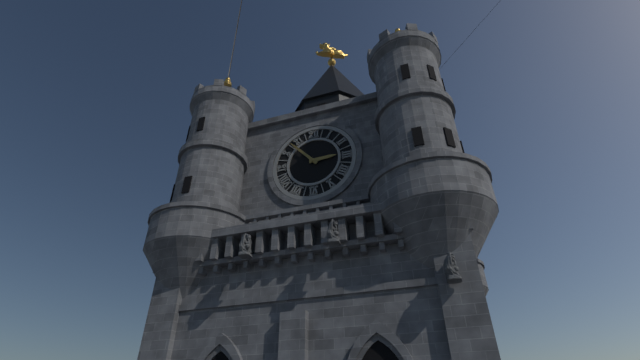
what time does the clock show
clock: 2:53
